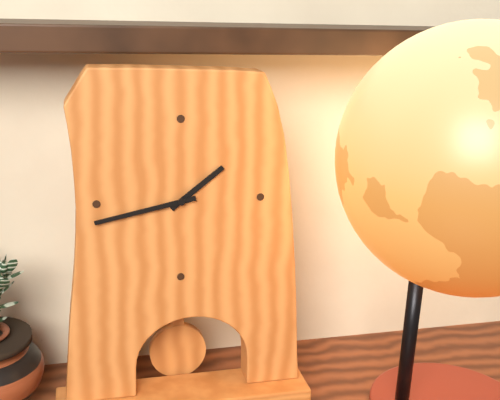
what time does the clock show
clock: 1:43
